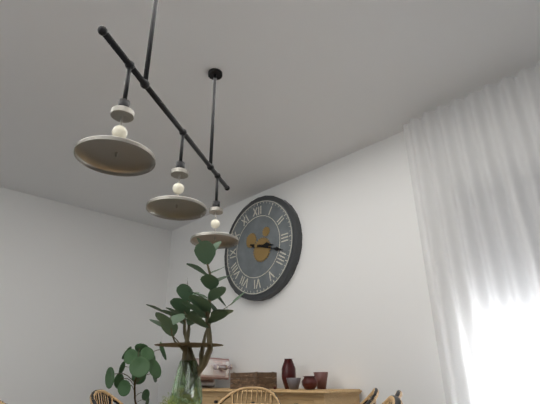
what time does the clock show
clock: 3:18
